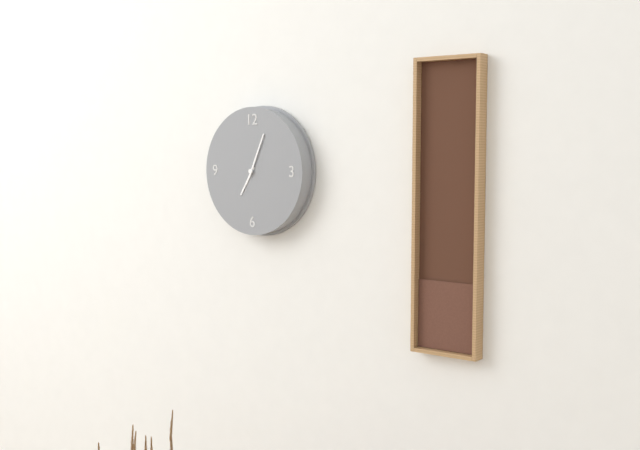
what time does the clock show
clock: 7:04
